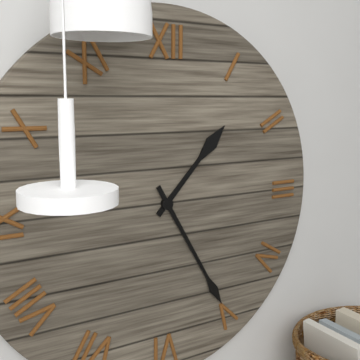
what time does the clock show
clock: 1:25
